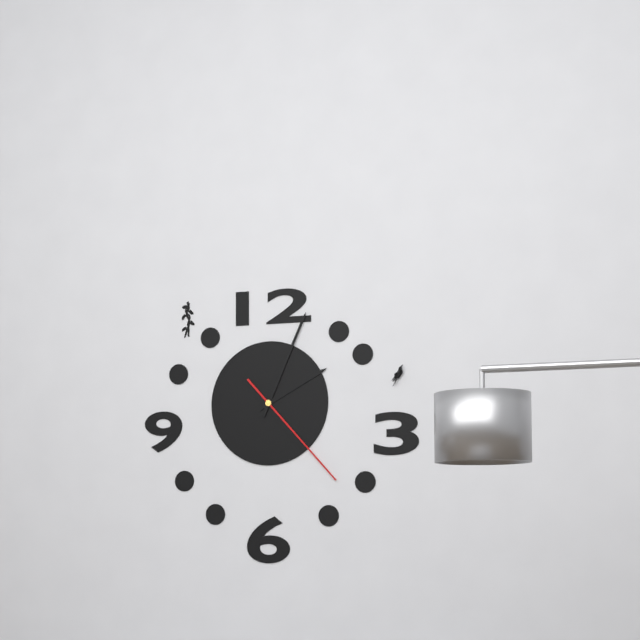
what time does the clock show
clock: 2:04:23
